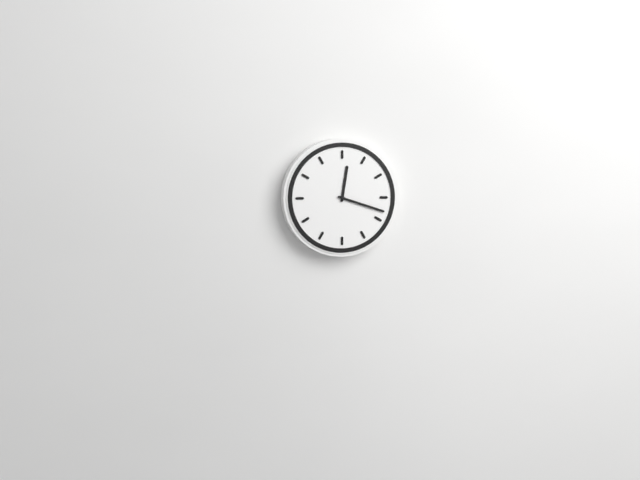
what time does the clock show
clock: 12:18
